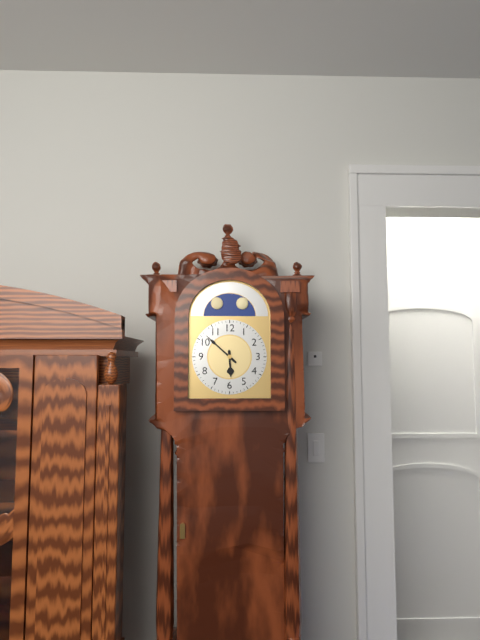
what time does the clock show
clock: 5:52
